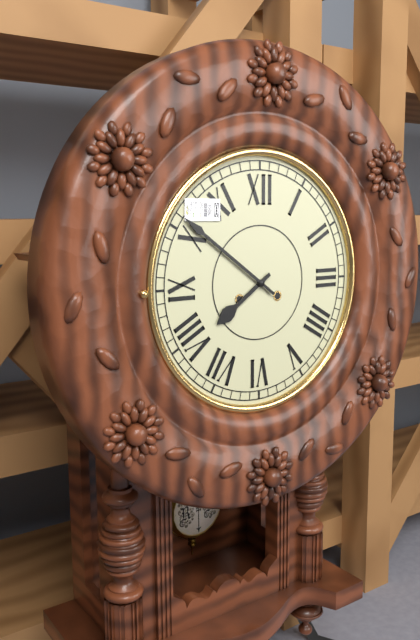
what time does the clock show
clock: 7:51
